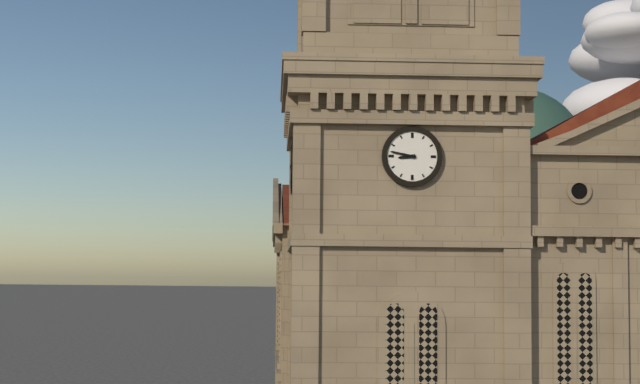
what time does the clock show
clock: 8:47
